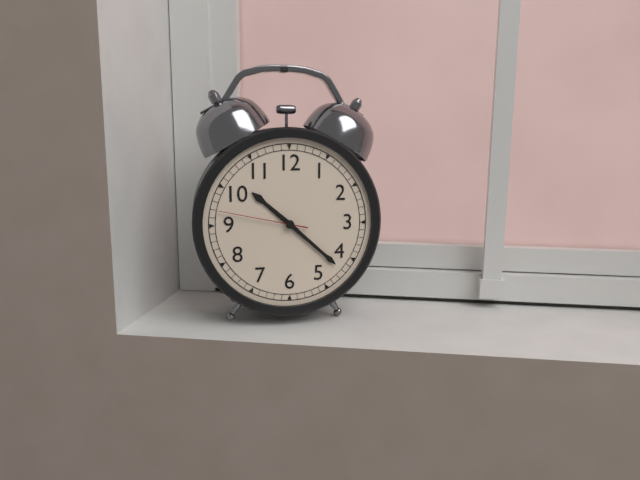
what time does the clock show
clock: 10:22:47
